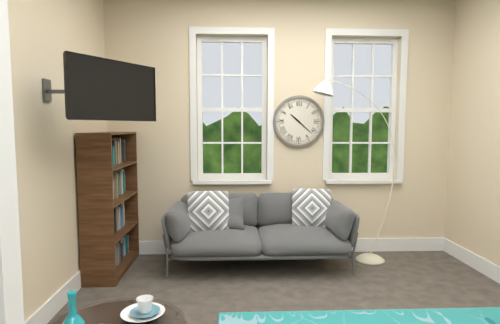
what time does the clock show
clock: 10:22
